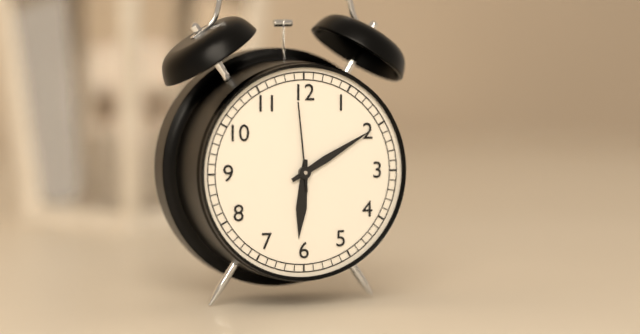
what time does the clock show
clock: 6:10:59
